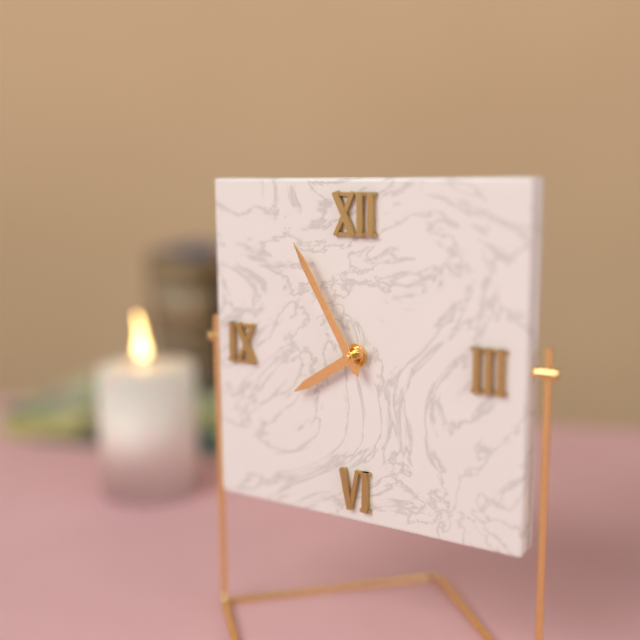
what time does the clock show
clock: 7:55
